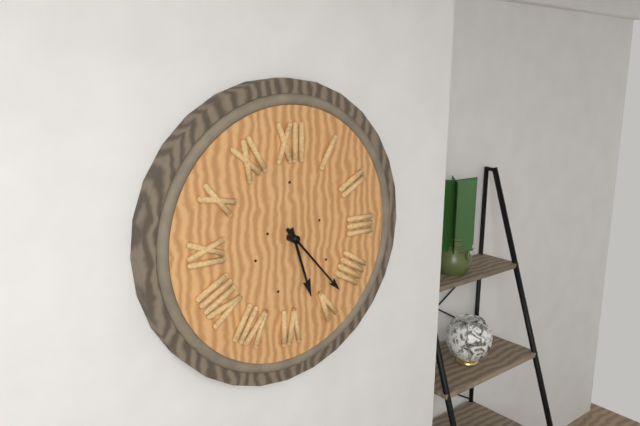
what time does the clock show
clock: 5:23
